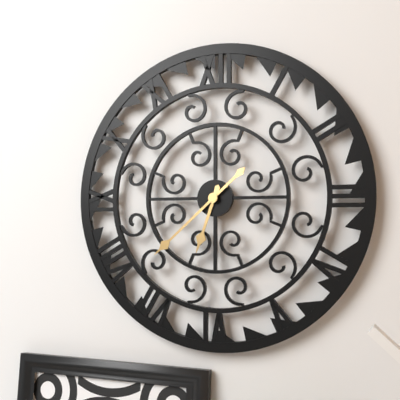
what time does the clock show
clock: 6:38
